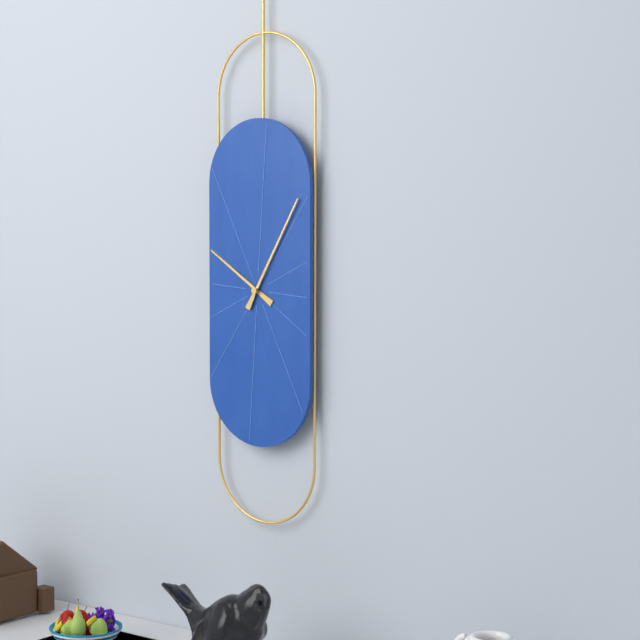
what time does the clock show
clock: 10:05
